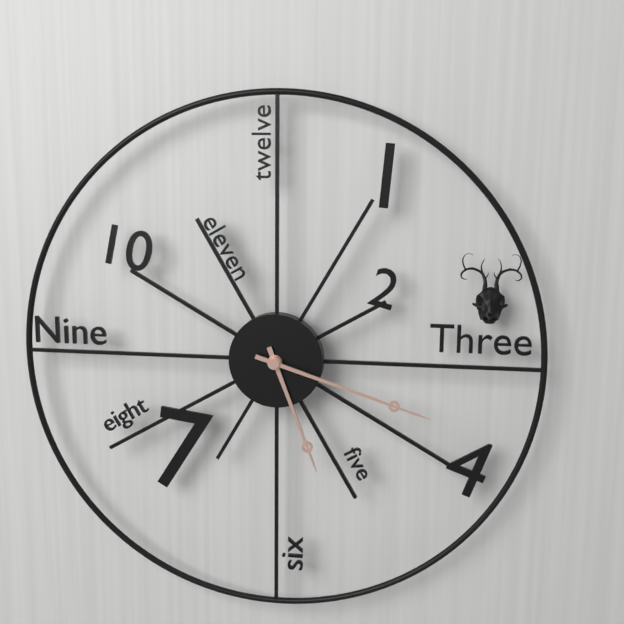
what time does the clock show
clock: 5:18
